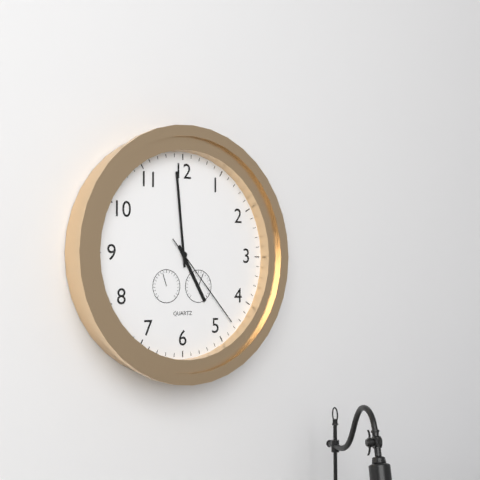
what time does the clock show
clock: 4:59:23
